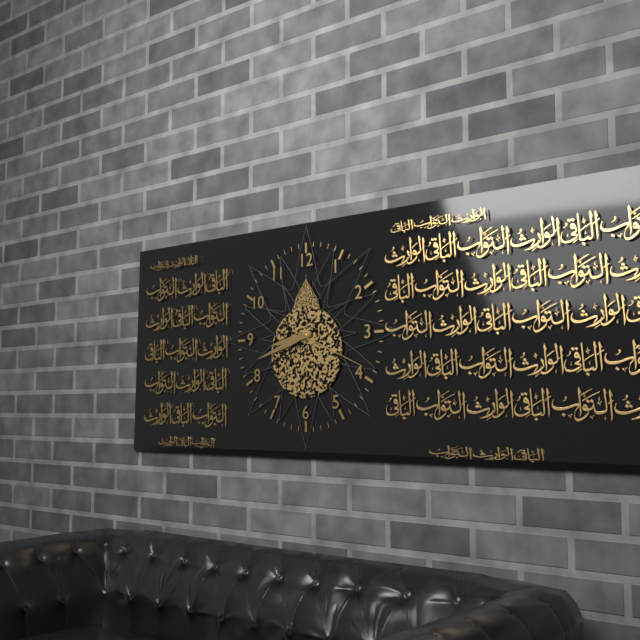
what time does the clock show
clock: 8:42:19
